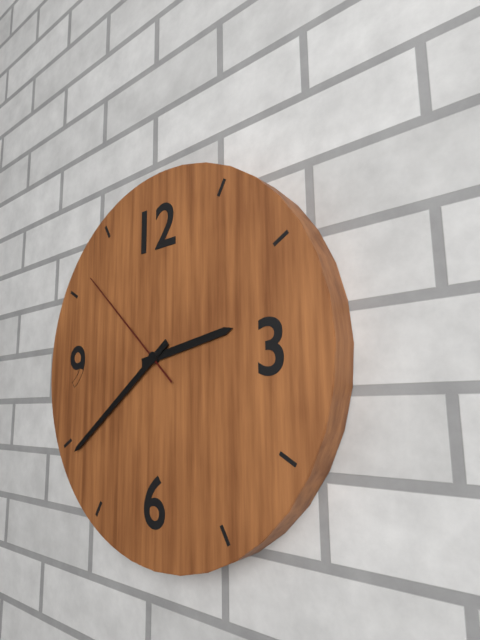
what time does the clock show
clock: 2:39:52
